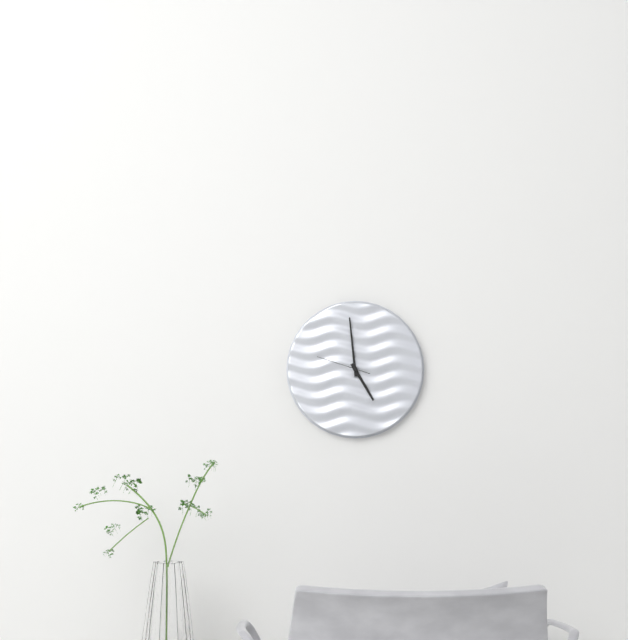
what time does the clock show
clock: 4:59
